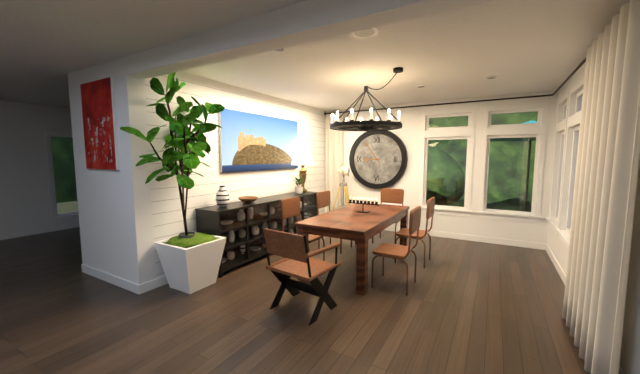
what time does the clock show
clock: 8:54
